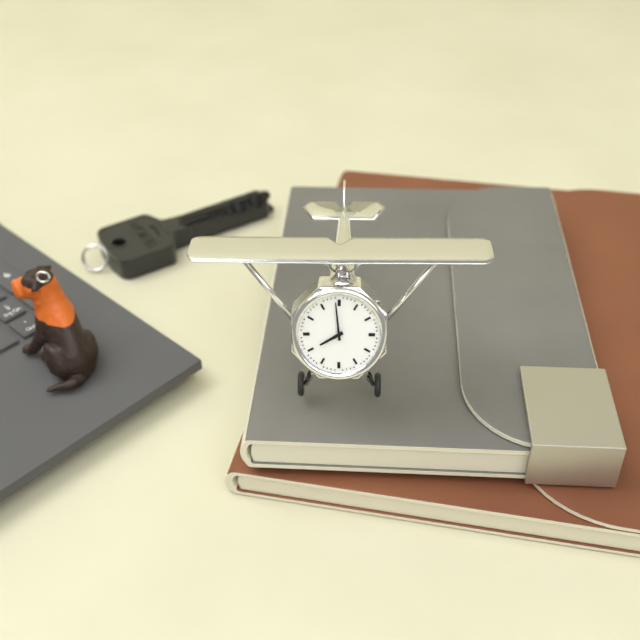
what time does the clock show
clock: 7:59
